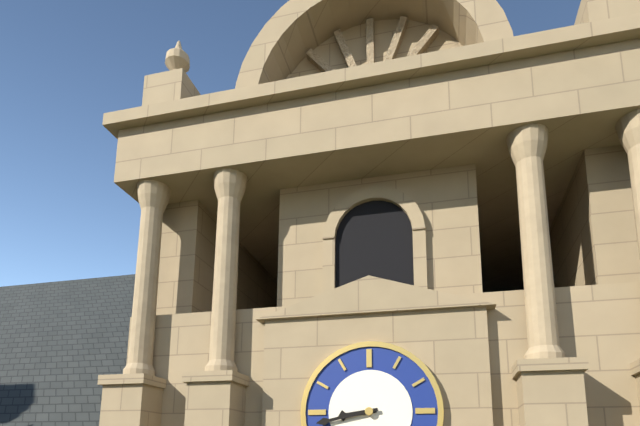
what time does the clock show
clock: 8:43
